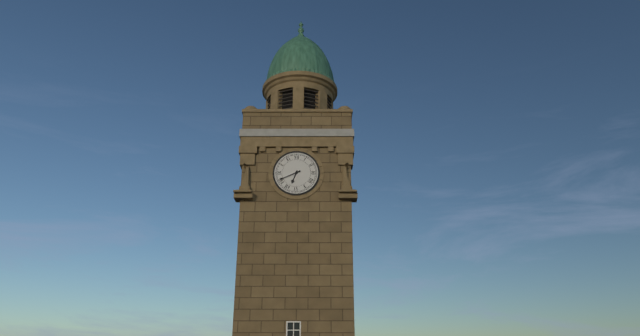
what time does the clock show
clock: 6:41
